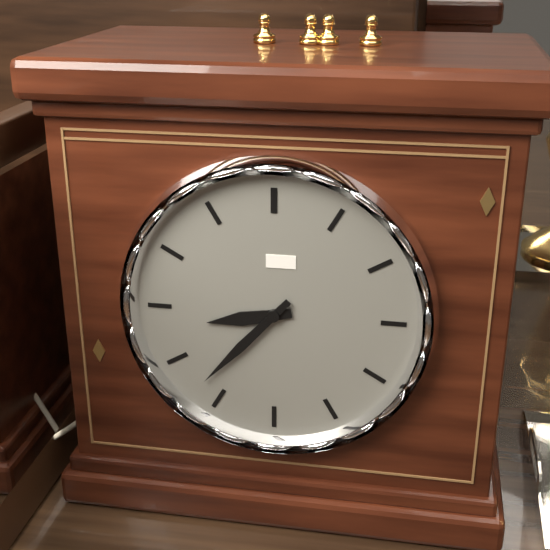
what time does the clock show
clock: 8:37
